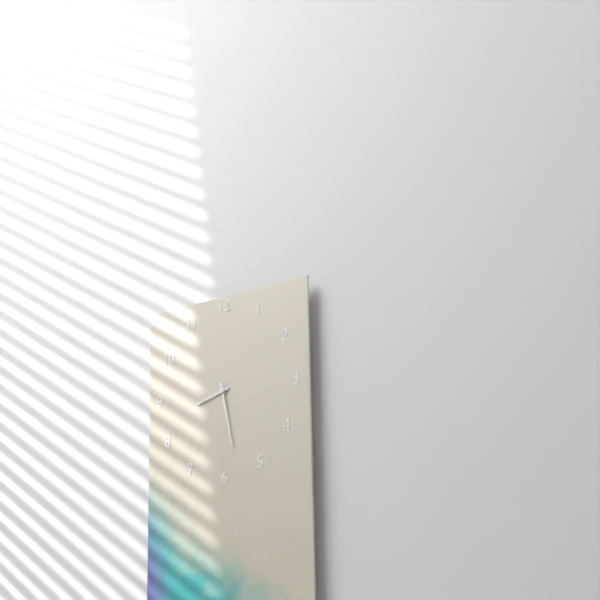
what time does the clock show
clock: 8:28
